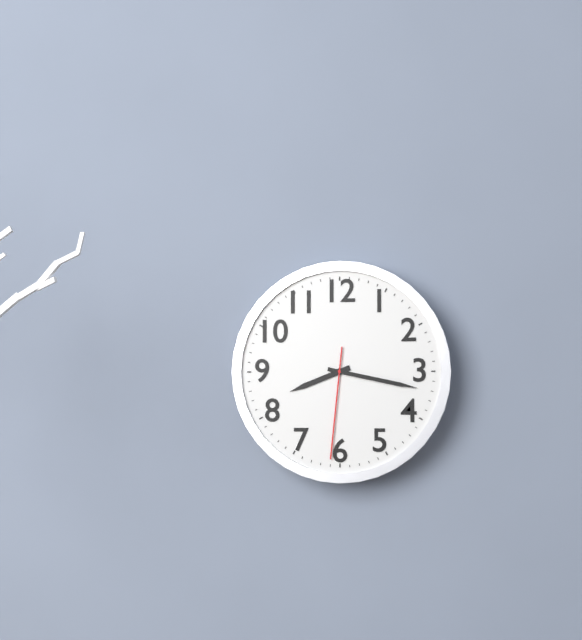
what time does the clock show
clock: 8:17:31
